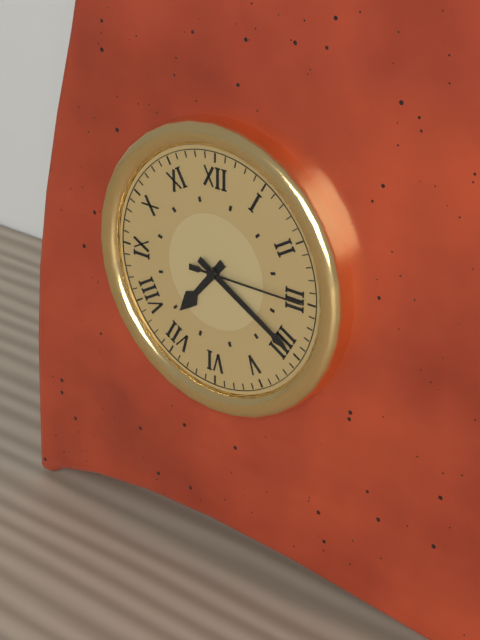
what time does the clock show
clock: 7:20:15
